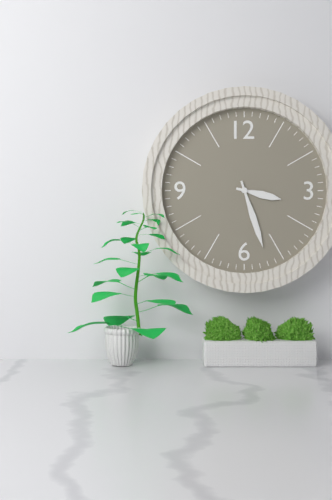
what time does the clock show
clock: 3:27
